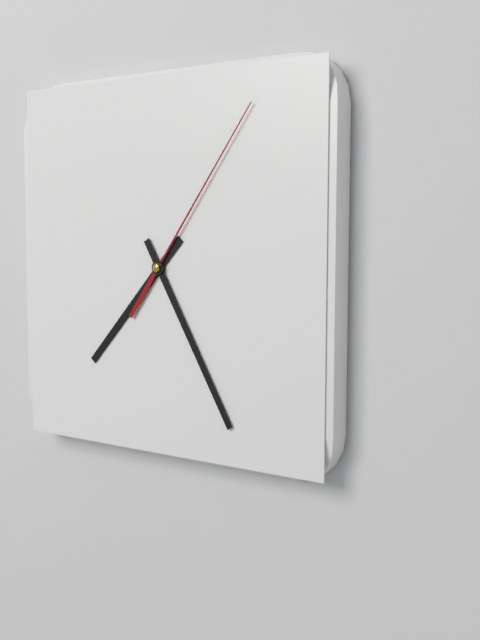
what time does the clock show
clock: 7:25:06
